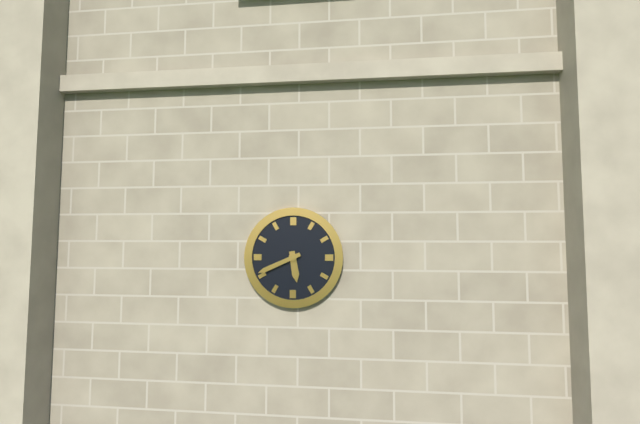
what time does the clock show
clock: 5:41
